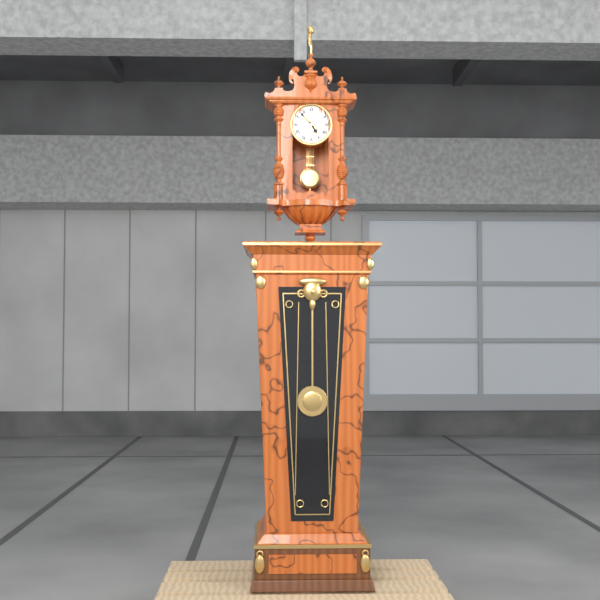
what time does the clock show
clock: 4:53
